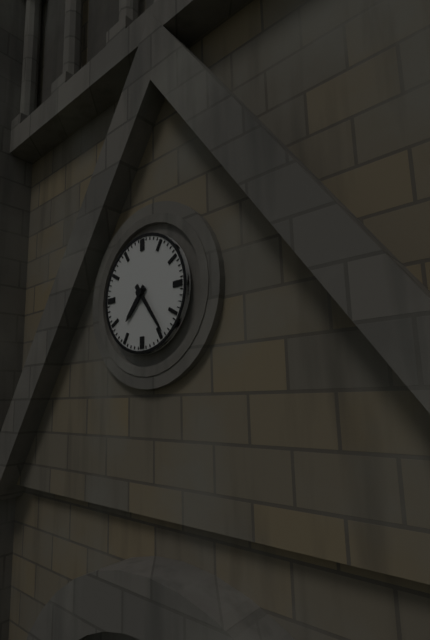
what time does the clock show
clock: 7:24
